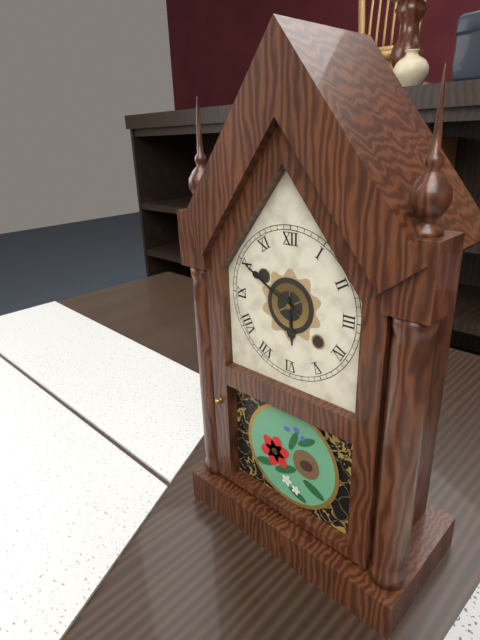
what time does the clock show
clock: 5:50
